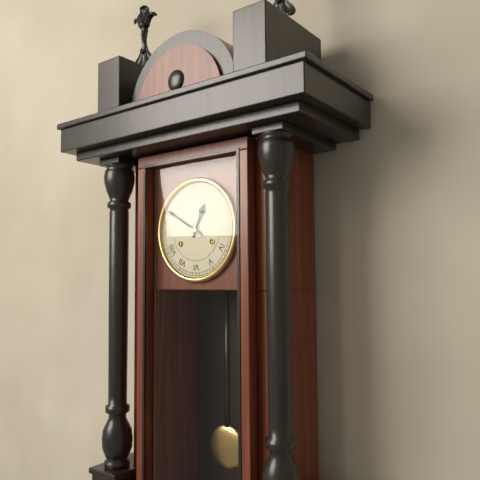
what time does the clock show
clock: 12:50
